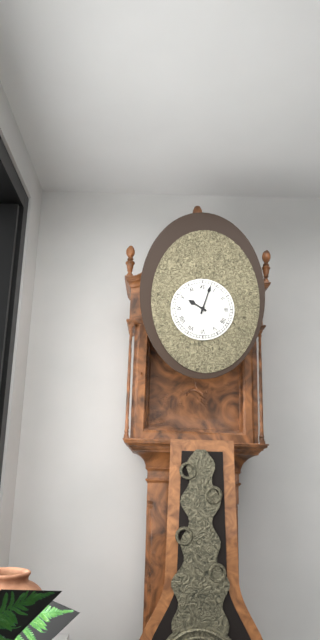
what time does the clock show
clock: 10:03
